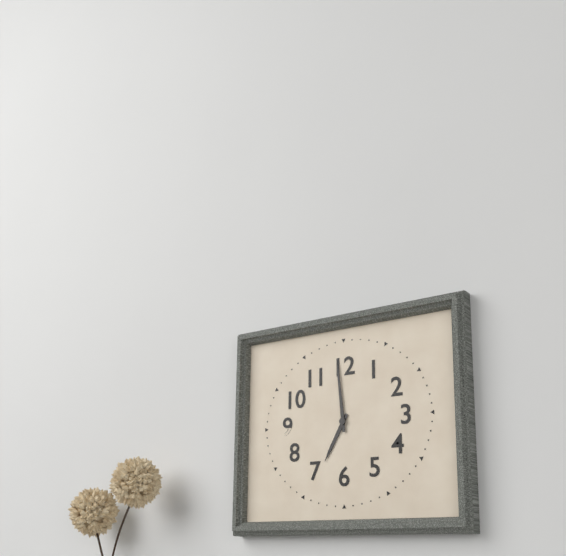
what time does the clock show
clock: 6:59
